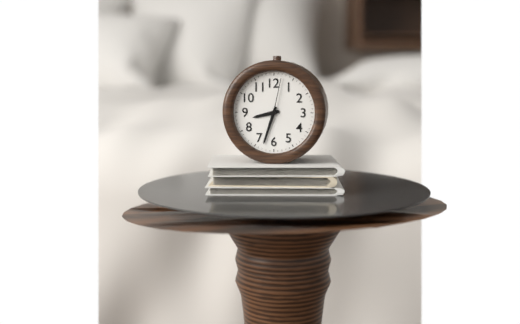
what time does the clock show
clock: 8:33
